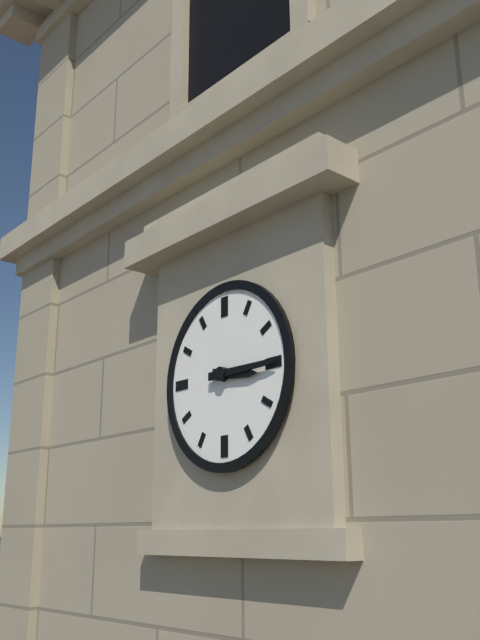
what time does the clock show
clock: 3:15
